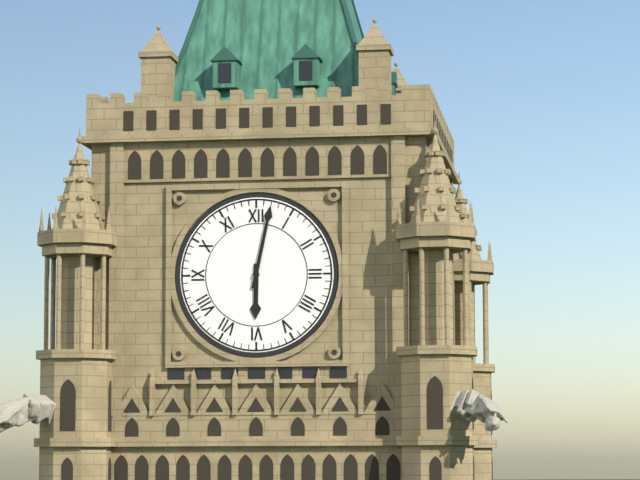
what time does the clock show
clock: 6:02
